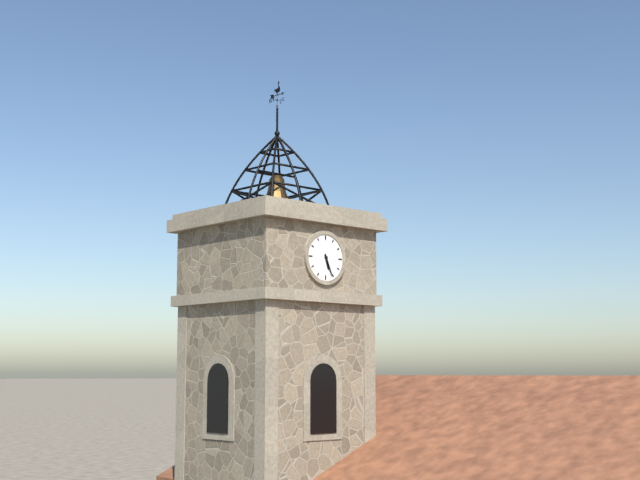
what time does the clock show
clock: 5:26
